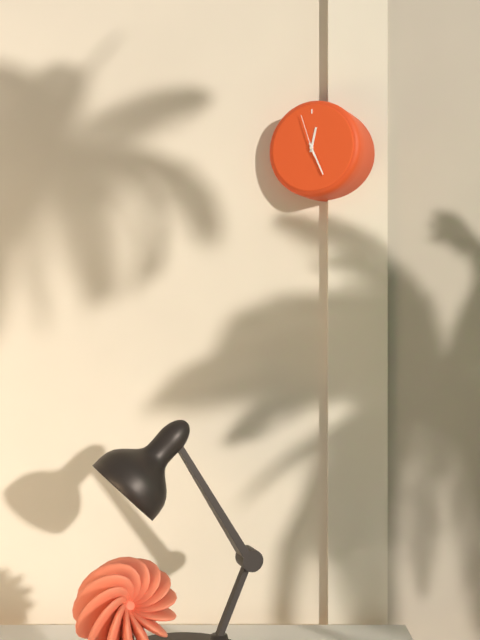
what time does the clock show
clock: 12:26
